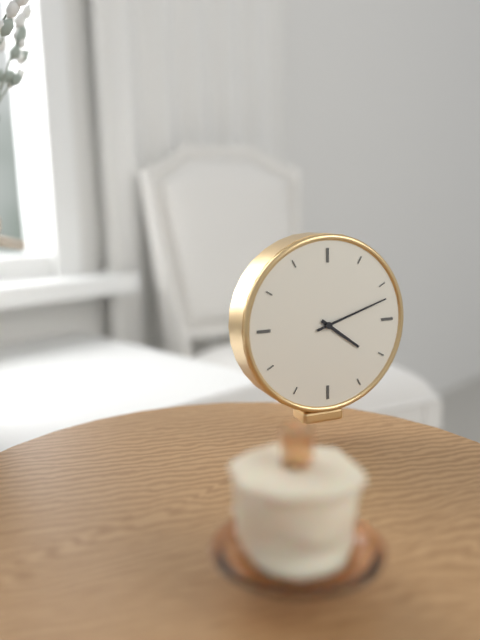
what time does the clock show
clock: 4:12
